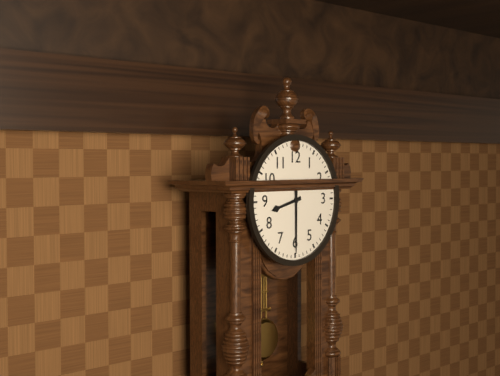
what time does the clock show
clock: 8:30
